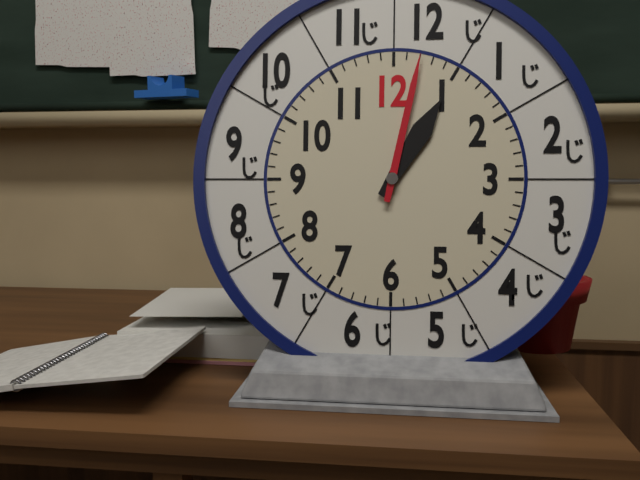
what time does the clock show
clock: 1:02
